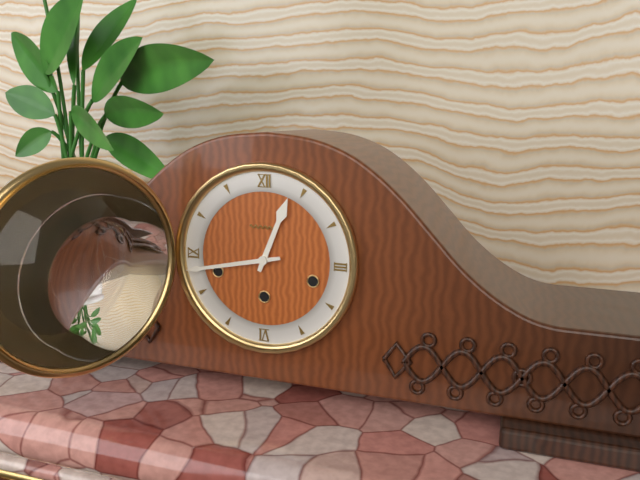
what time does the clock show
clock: 12:43
